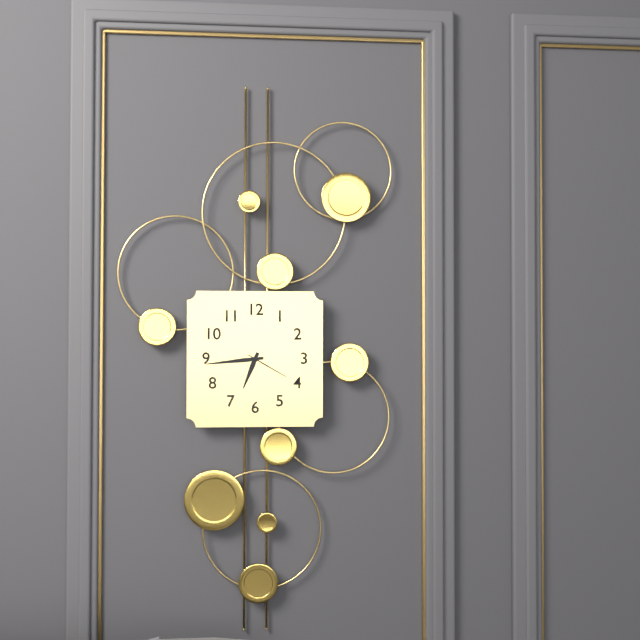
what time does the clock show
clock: 6:44
